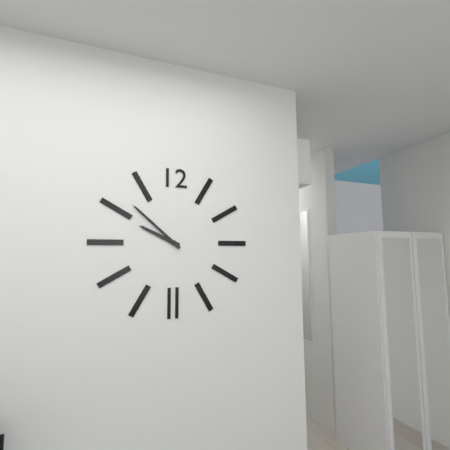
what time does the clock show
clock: 9:52
